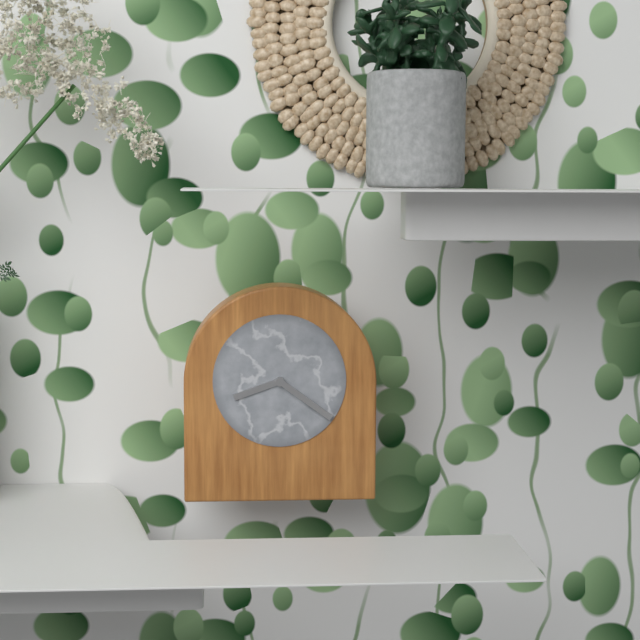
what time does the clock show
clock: 8:21
